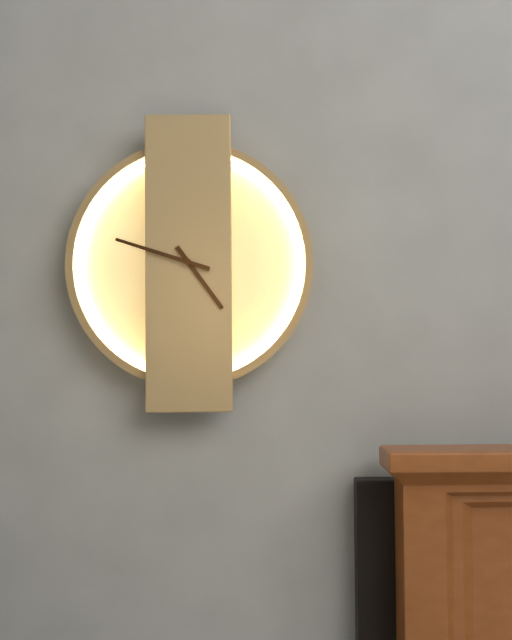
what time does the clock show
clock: 4:48
